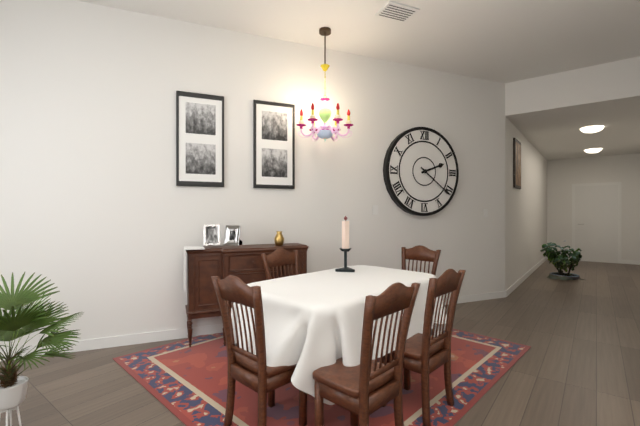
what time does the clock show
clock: 2:21
